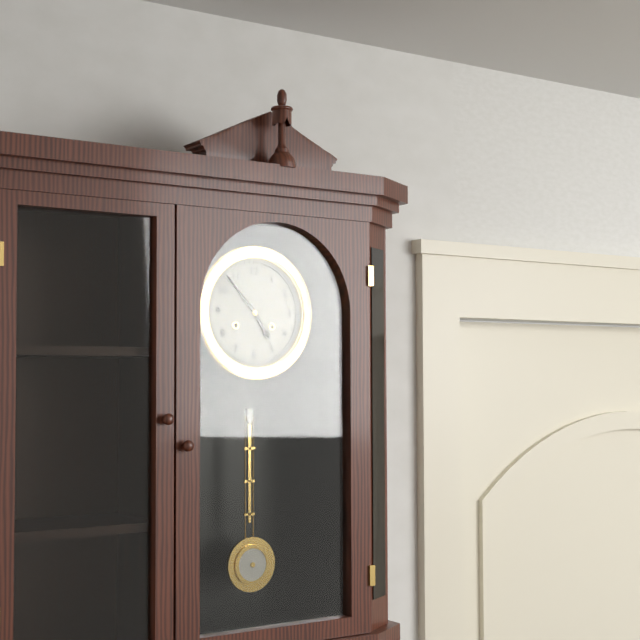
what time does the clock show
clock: 4:53
